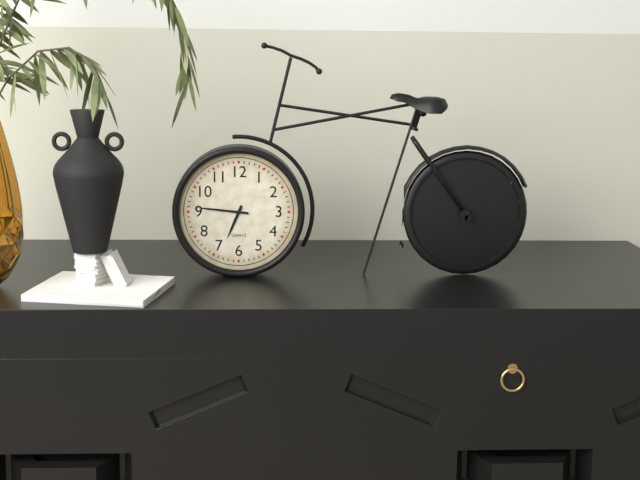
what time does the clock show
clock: 6:46
